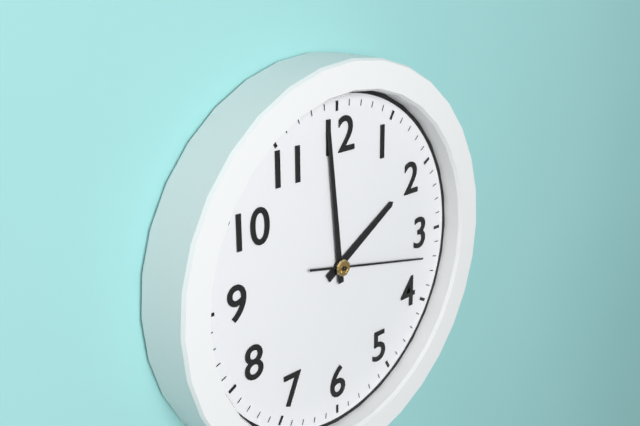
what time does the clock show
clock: 1:59:17
